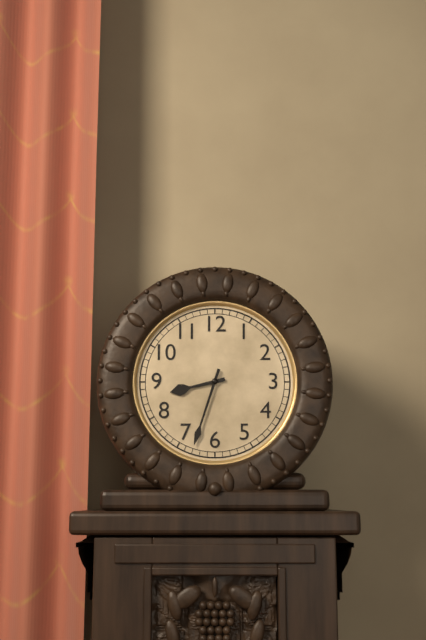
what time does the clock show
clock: 8:33
